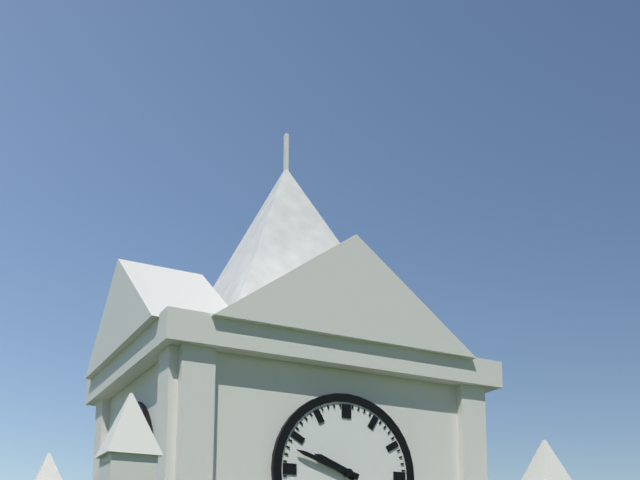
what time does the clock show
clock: 9:48
